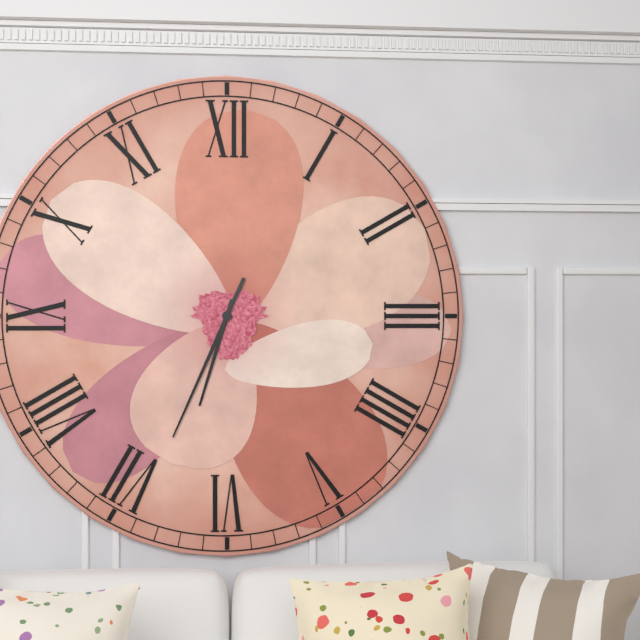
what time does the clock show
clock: 6:34
